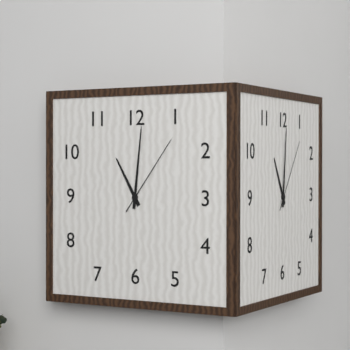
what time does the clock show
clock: 11:01:06
